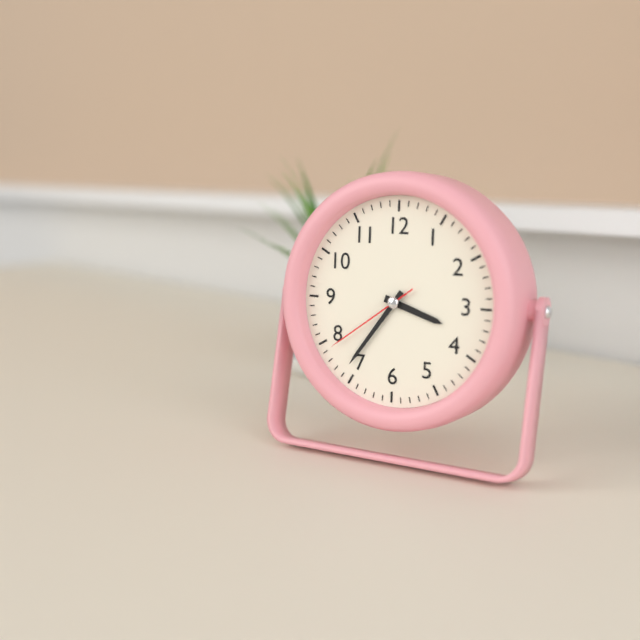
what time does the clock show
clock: 3:36:39
